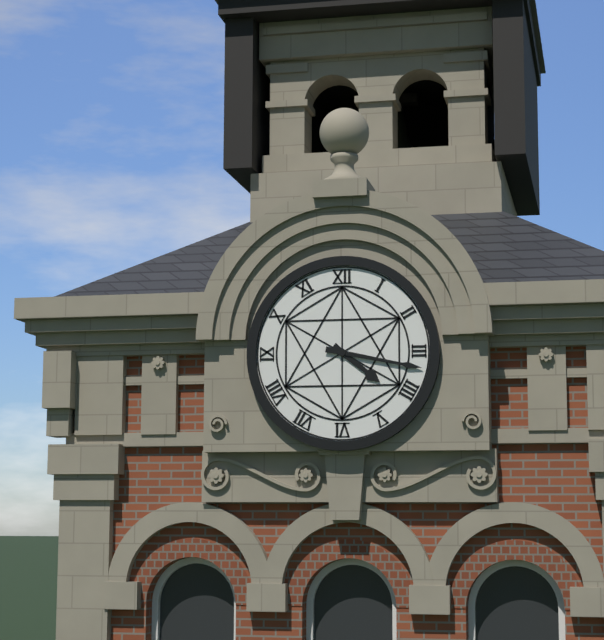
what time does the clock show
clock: 4:17
